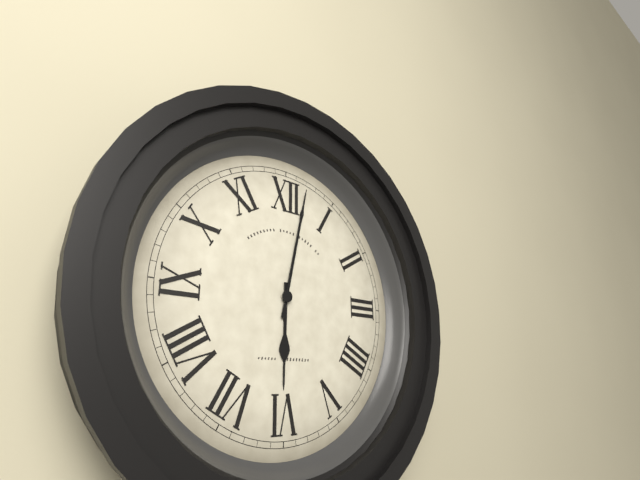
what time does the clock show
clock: 6:02
